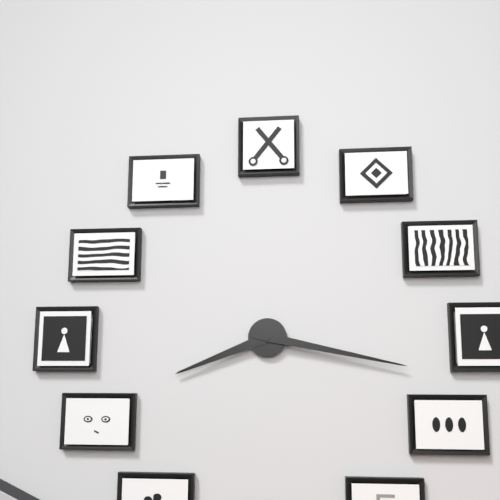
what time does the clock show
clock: 8:17
